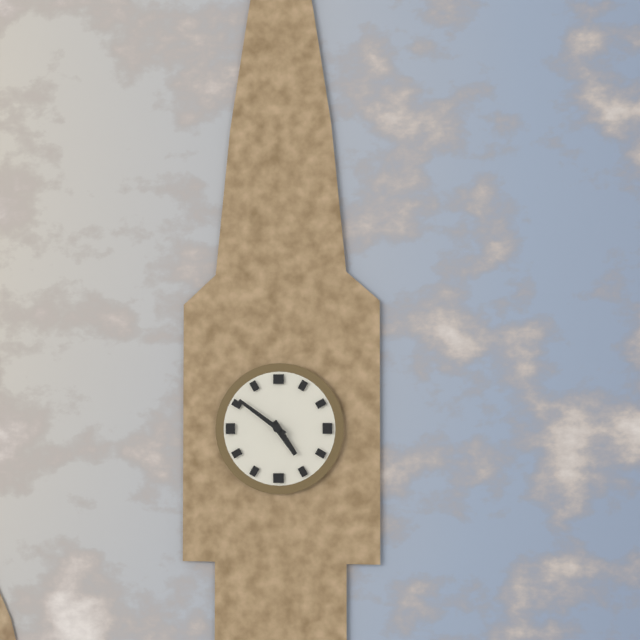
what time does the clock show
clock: 4:51
